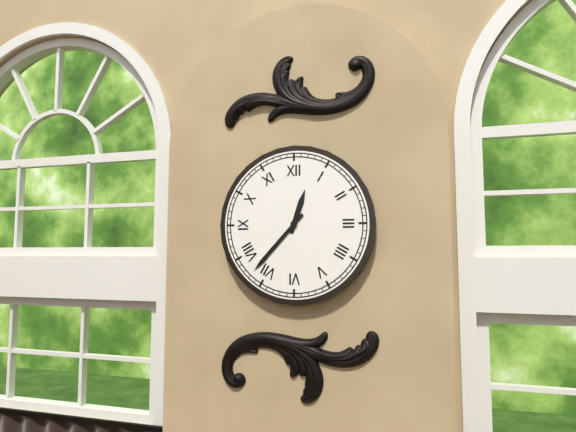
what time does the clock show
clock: 12:37
